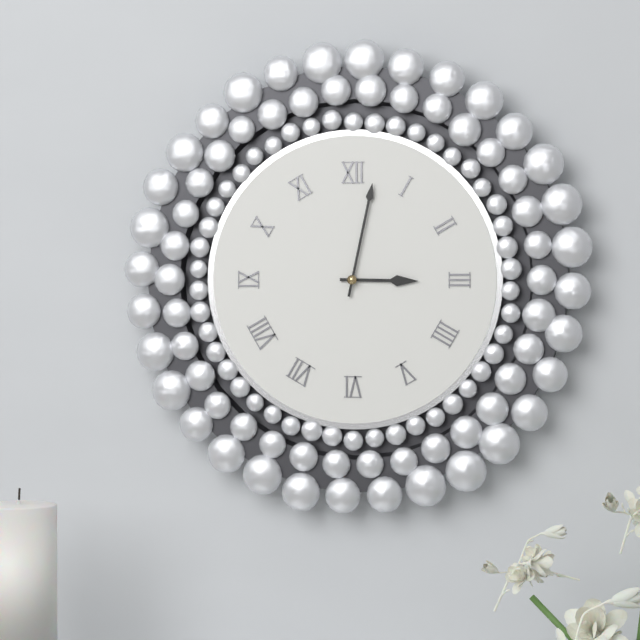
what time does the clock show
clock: 3:02
